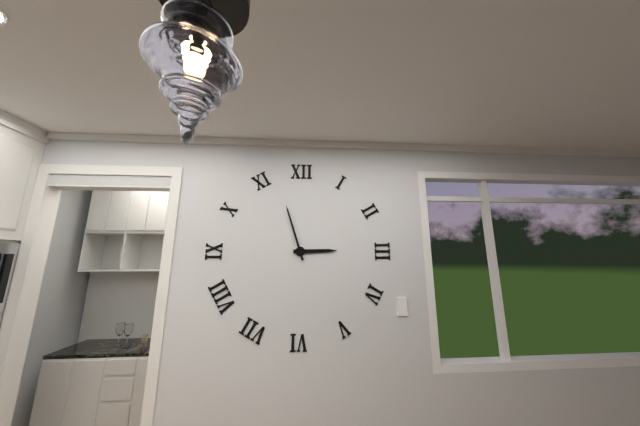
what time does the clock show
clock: 2:57
